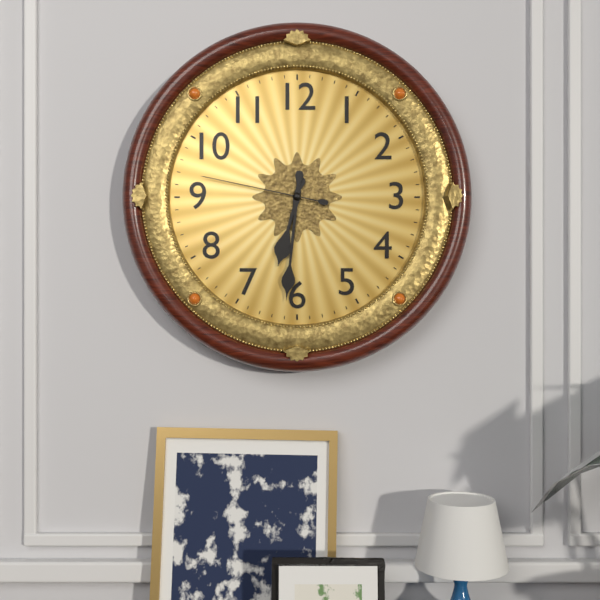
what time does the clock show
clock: 6:31:47
